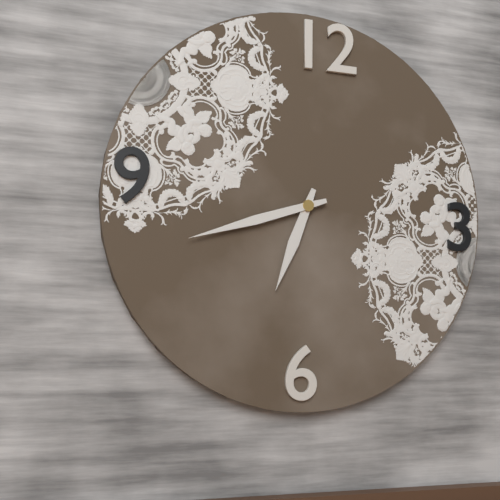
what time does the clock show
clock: 6:42
